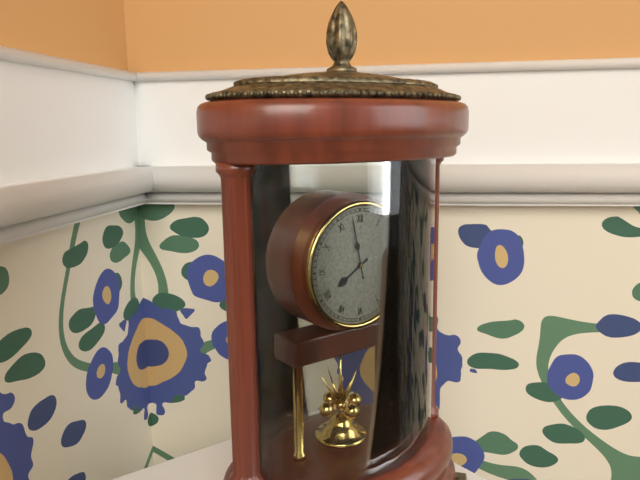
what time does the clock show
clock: 7:58
